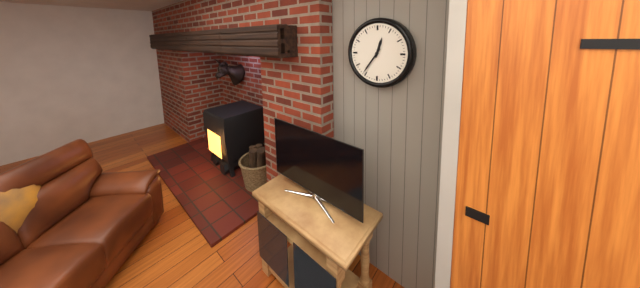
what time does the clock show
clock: 12:36
